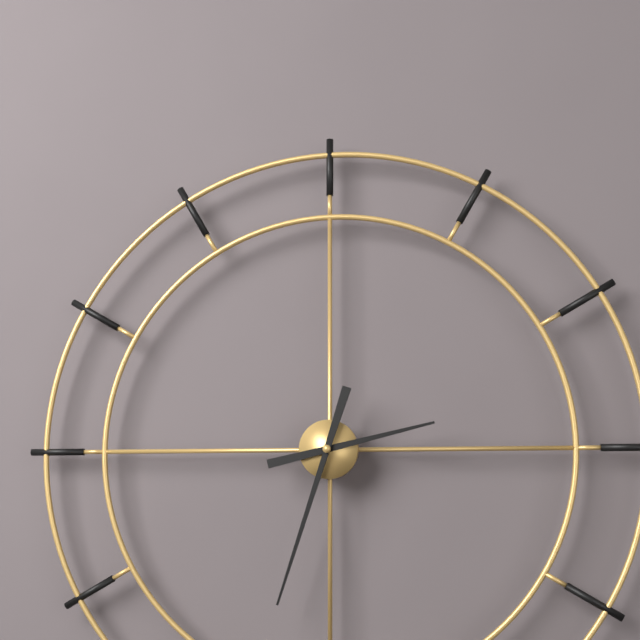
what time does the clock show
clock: 2:33
